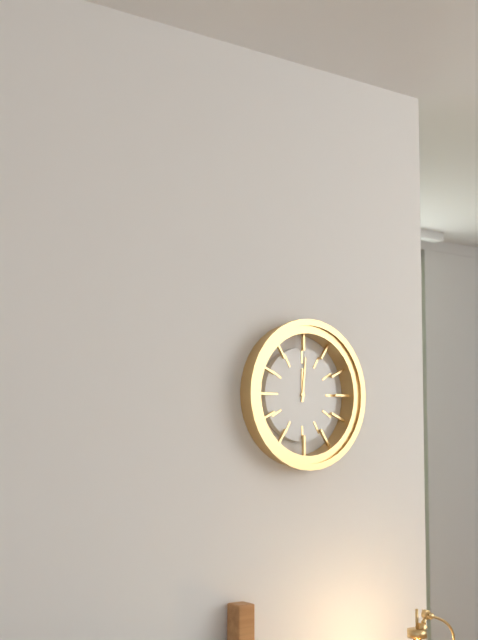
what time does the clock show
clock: 12:01
